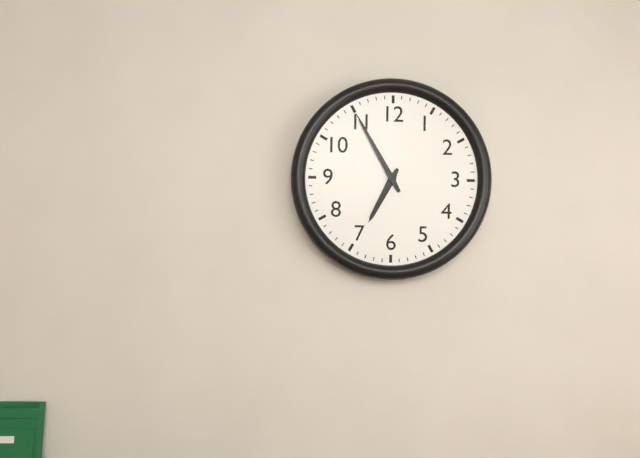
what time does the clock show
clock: 6:55
